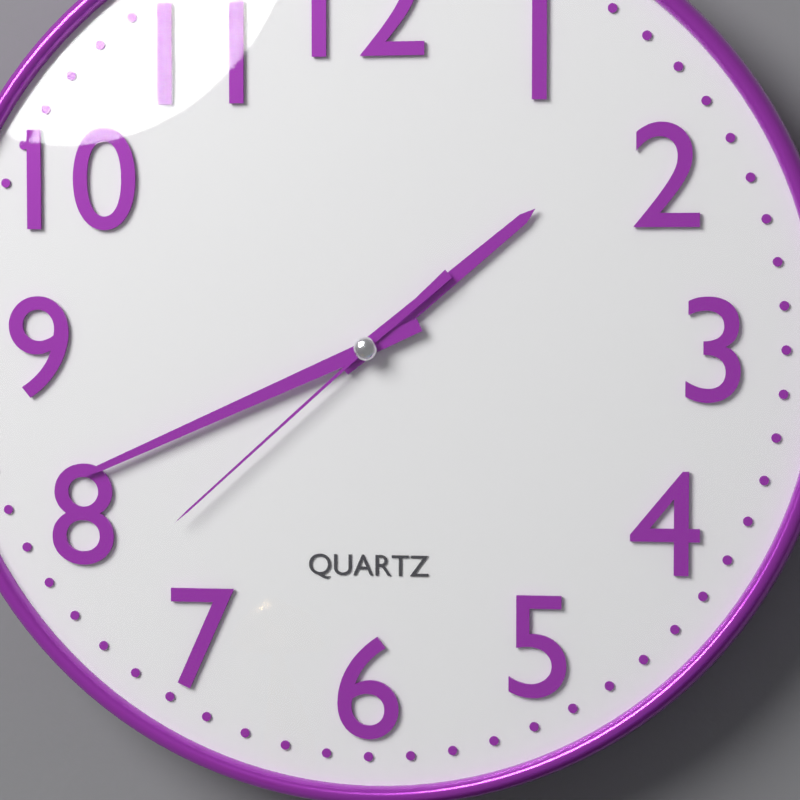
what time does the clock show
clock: 1:41:38
